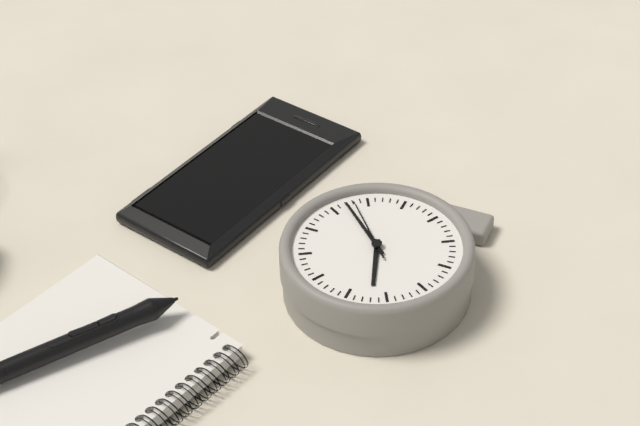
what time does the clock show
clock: 11:22:23
